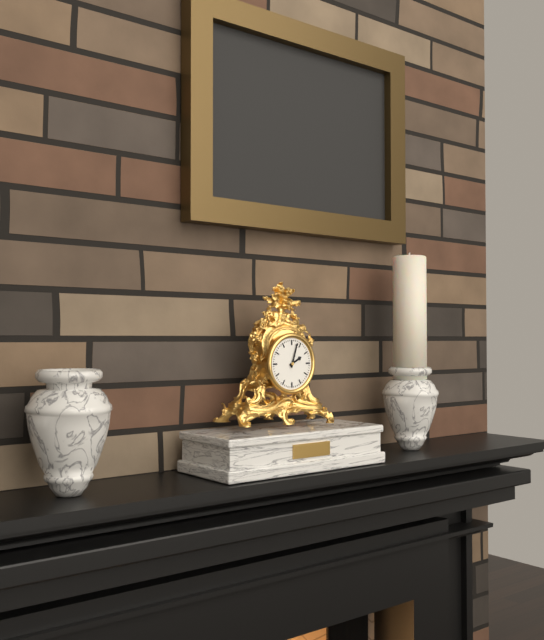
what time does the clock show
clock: 2:03
